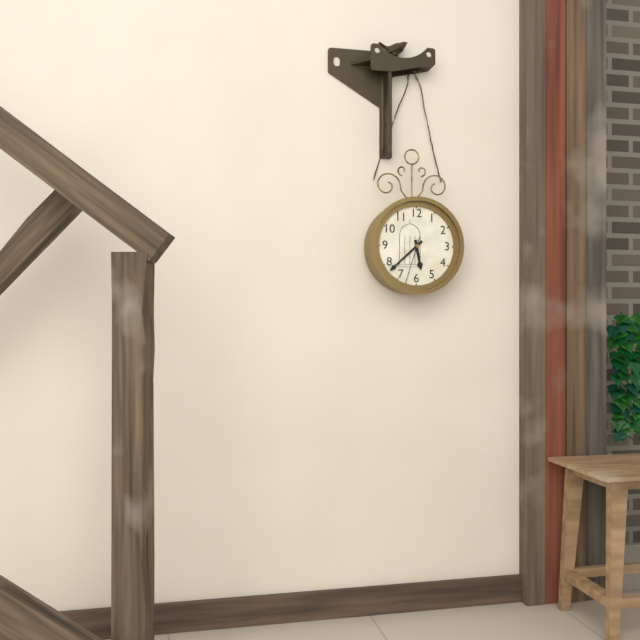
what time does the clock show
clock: 5:38
